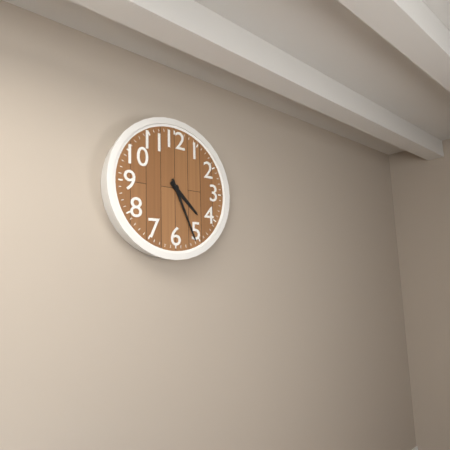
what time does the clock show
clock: 4:26
